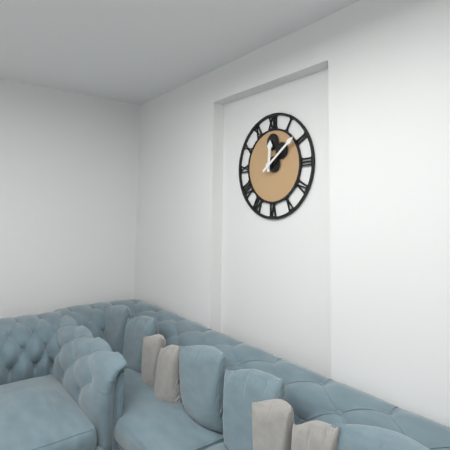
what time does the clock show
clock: 12:09
